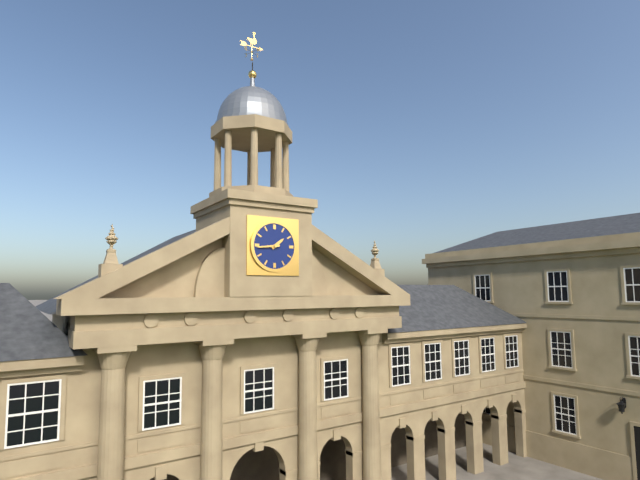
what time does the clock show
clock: 1:44
